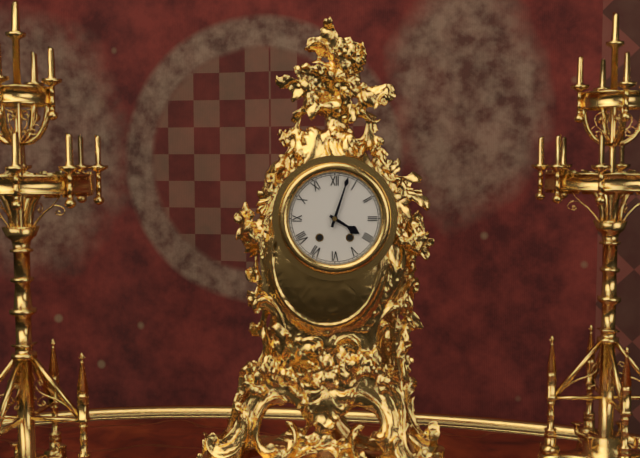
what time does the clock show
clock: 4:03
